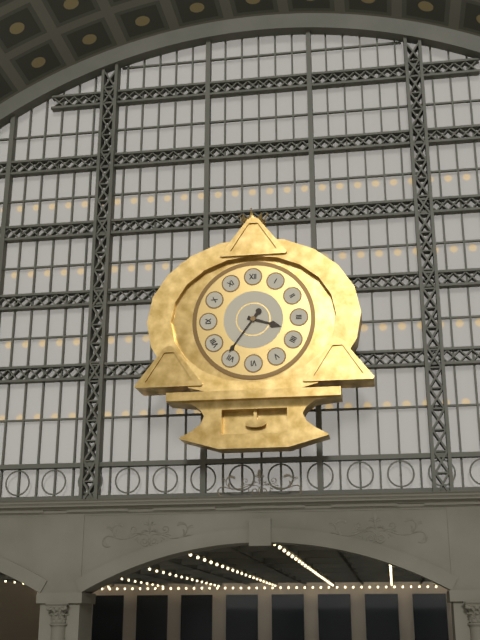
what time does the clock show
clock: 3:36
